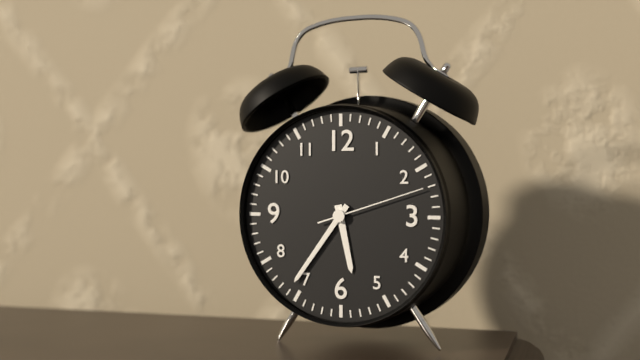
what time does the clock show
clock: 5:36:12
